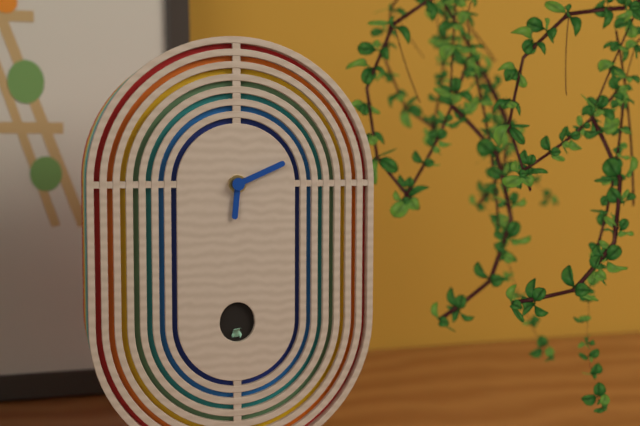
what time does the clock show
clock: 6:11
